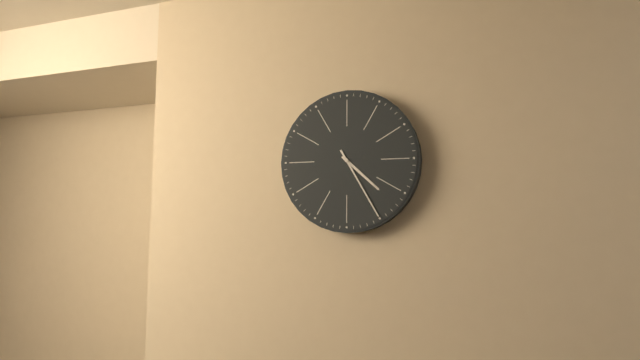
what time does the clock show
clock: 4:25
